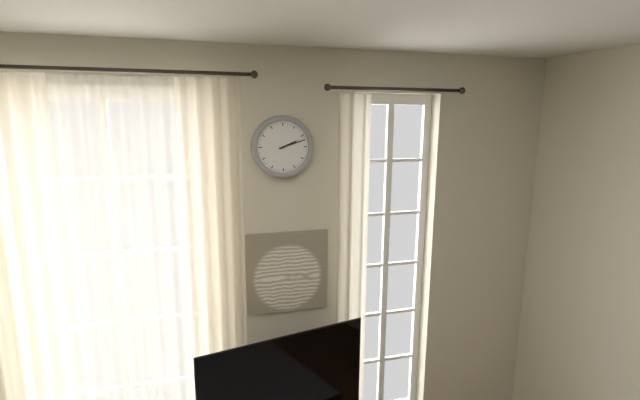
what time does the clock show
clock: 2:12
